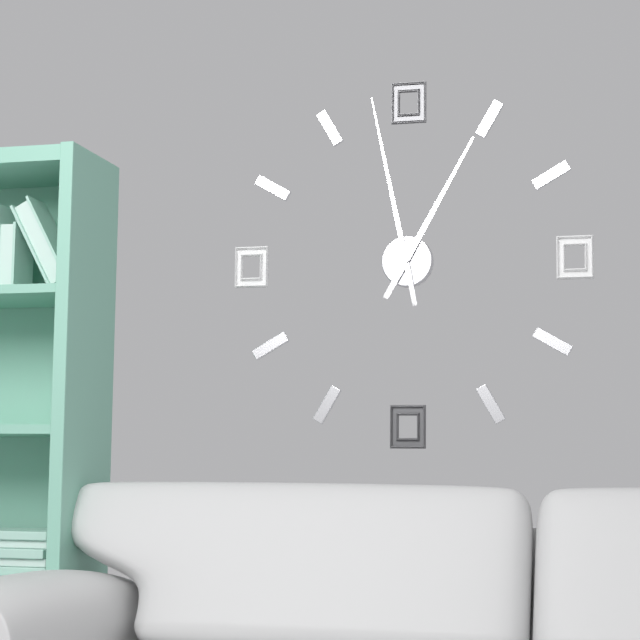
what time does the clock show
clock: 12:58
